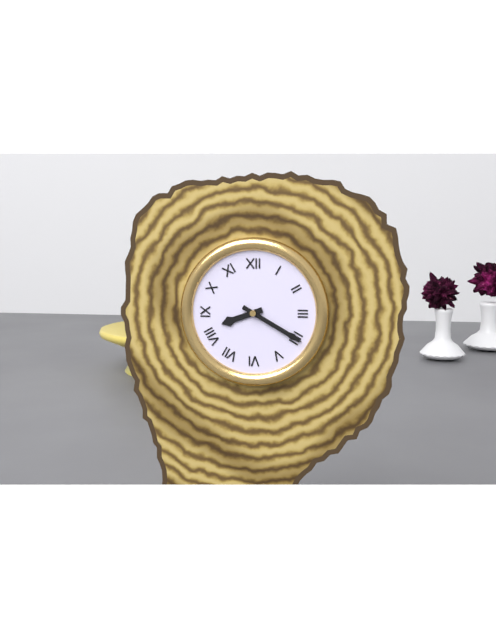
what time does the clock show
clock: 8:20
